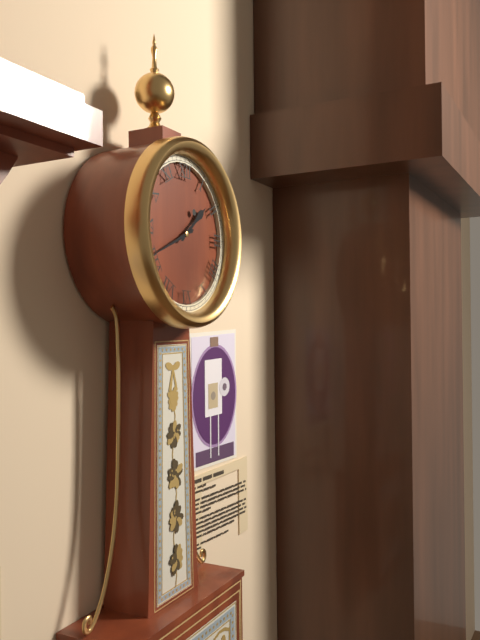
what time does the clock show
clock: 1:41
